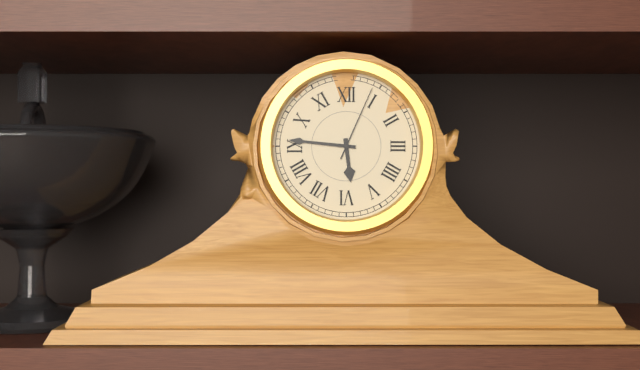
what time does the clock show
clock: 5:46:04
